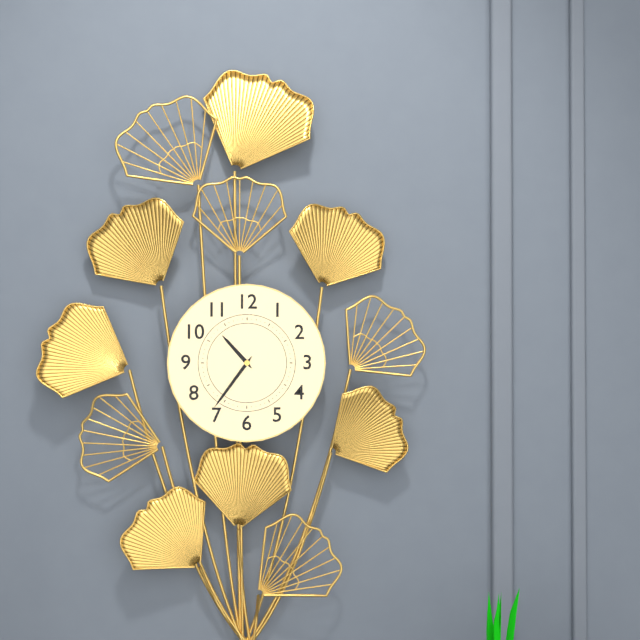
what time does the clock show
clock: 10:36
